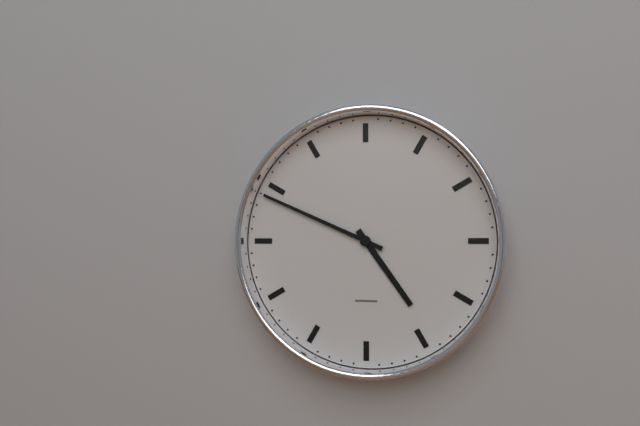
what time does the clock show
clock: 4:49
